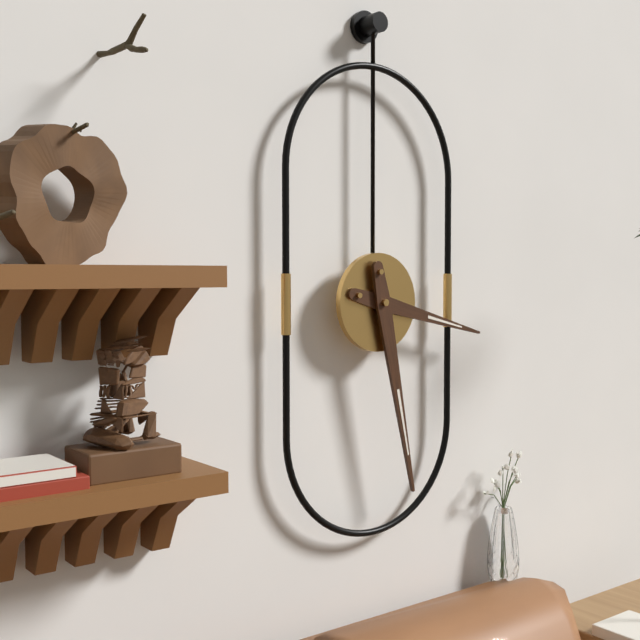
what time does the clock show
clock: 3:28
